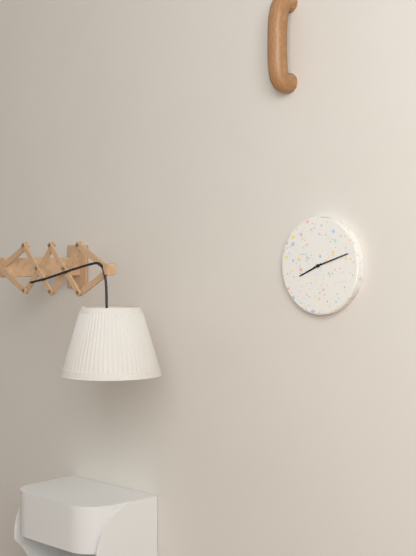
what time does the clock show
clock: 8:12
